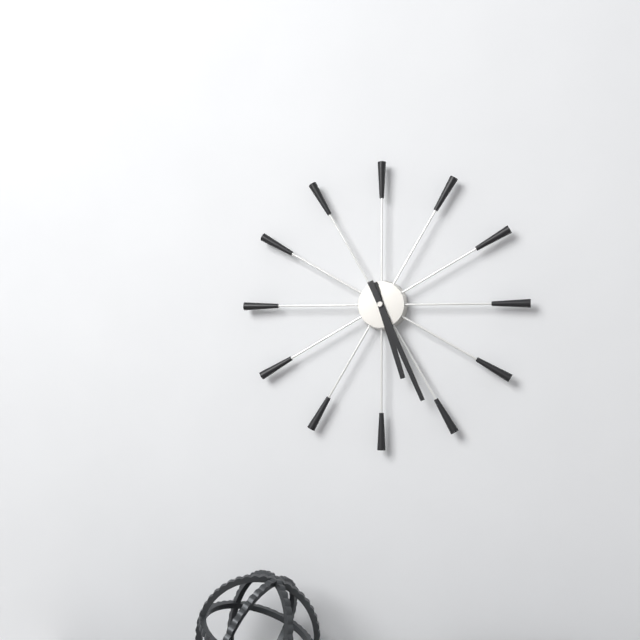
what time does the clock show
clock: 5:26
